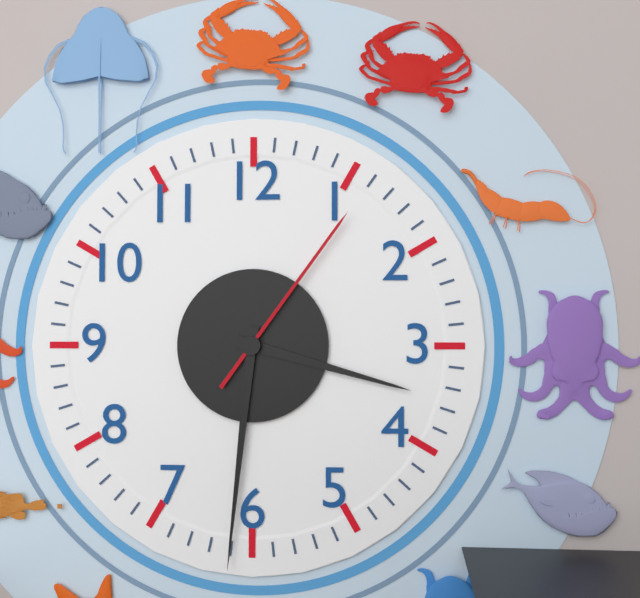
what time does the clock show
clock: 3:31:06
